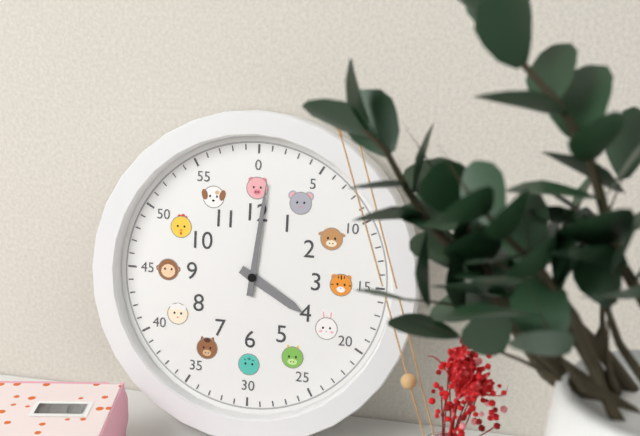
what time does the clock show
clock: 4:01
